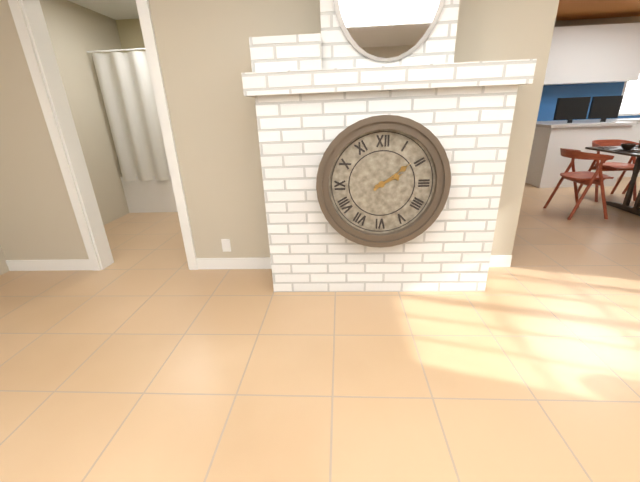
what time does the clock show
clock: 2:09
